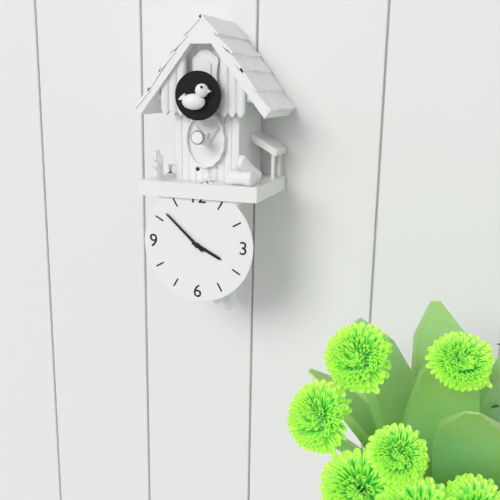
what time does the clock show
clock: 3:52
